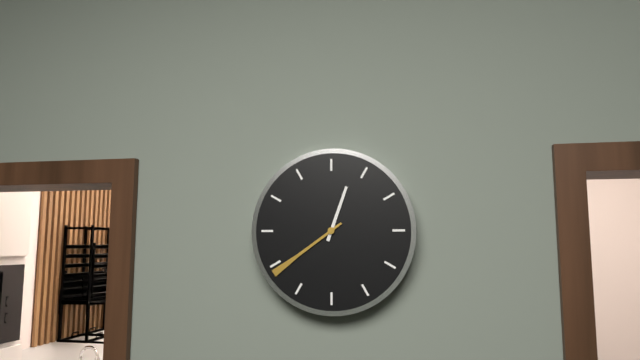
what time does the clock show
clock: 12:39
